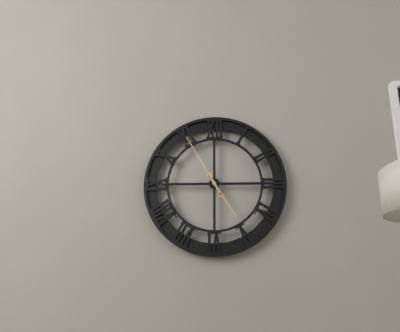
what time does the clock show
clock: 4:55
